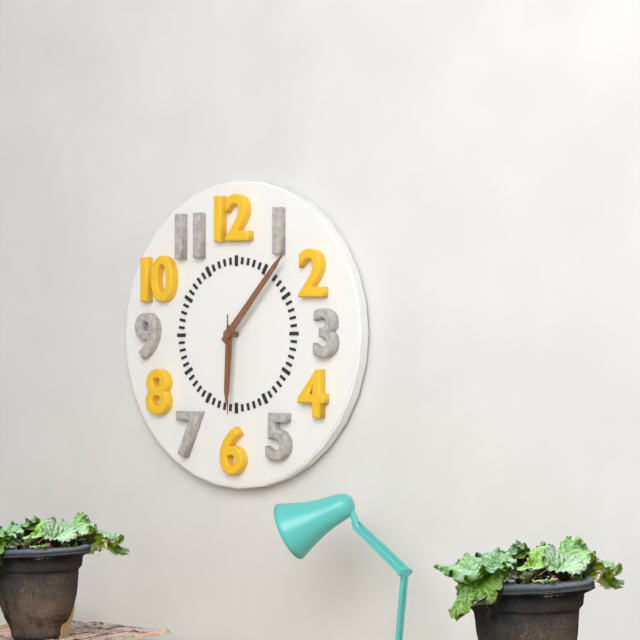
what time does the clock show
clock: 6:07:30
